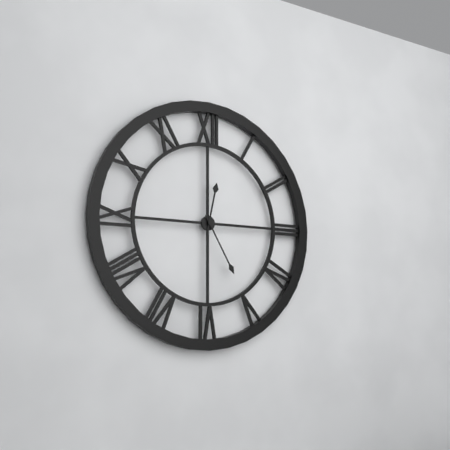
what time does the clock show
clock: 12:25
